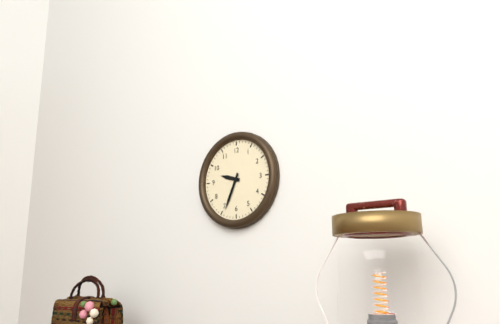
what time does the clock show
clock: 9:34
